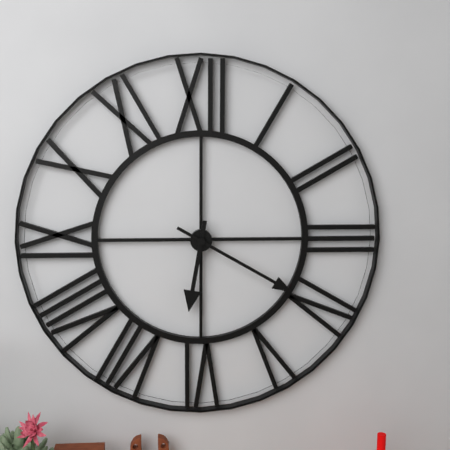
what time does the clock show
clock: 6:20
